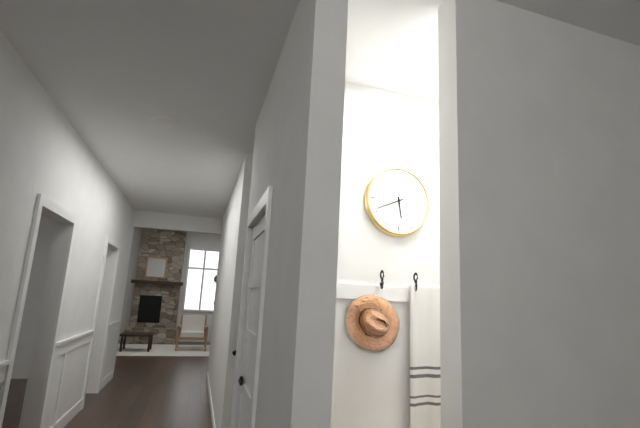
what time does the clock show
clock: 5:41
